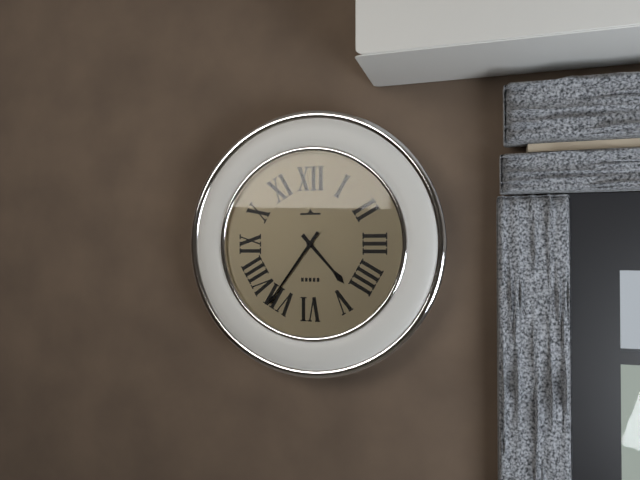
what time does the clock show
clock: 4:36
